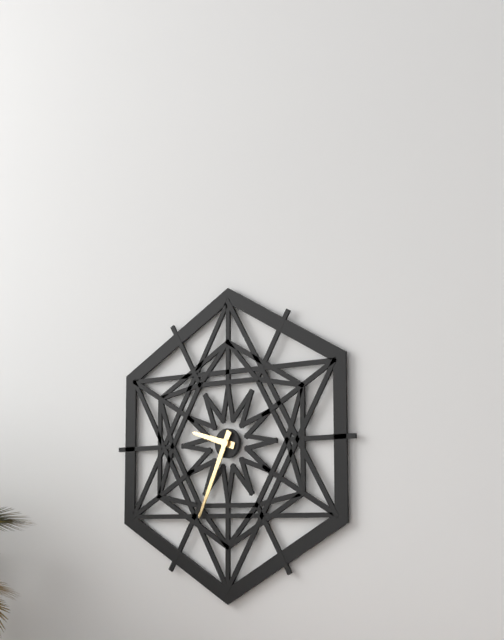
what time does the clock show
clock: 9:34
